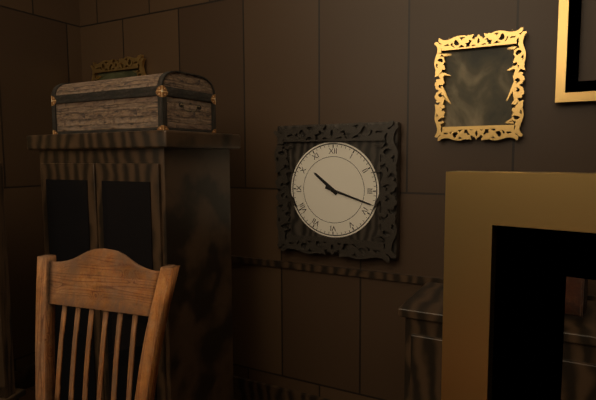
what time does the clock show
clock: 10:18
